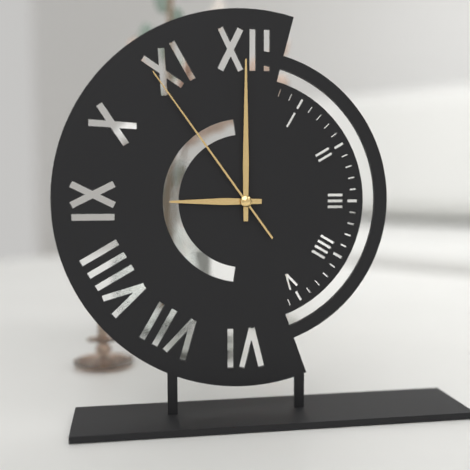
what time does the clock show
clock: 9:00:54
